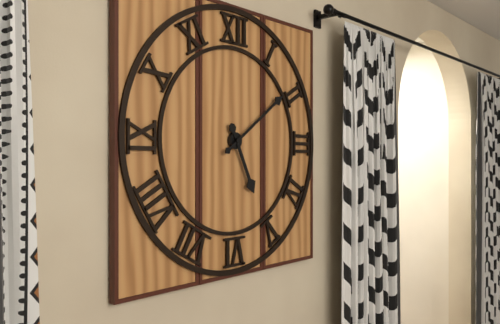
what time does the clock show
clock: 5:09
